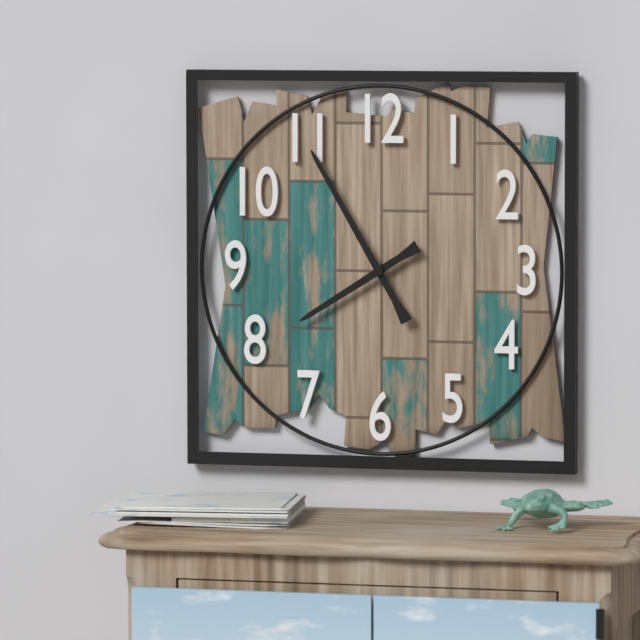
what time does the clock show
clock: 7:55
